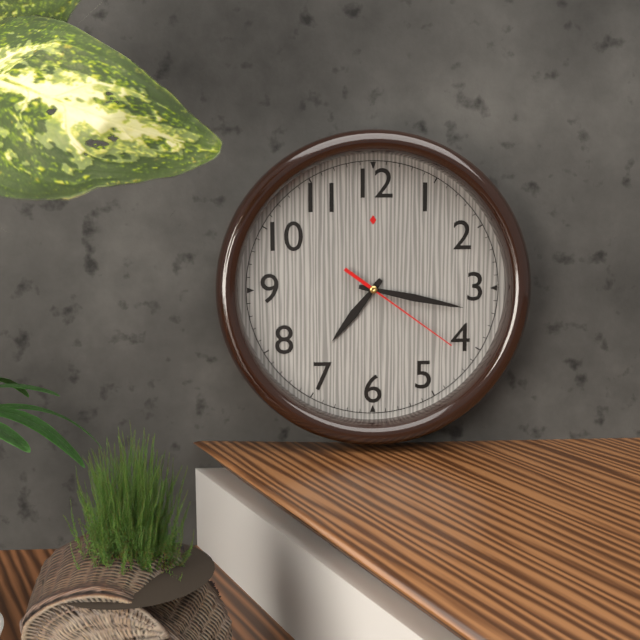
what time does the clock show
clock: 7:17:21
